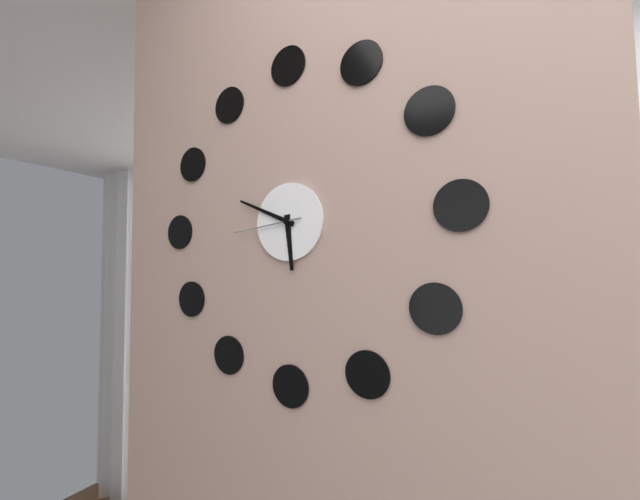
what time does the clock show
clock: 5:49:44
